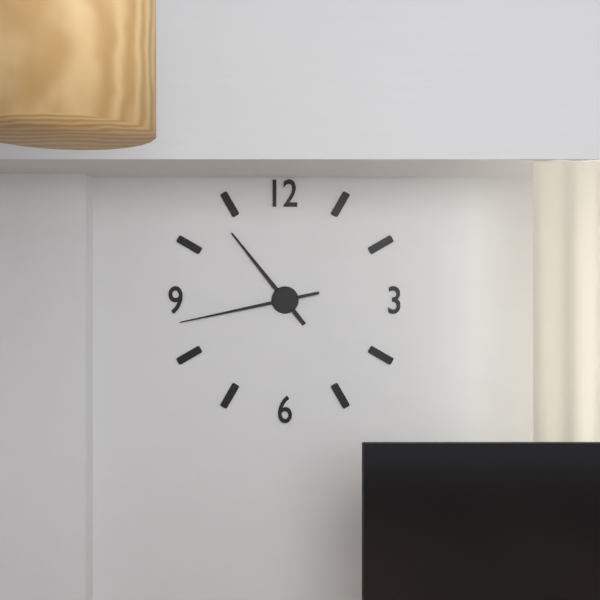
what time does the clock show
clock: 10:43
